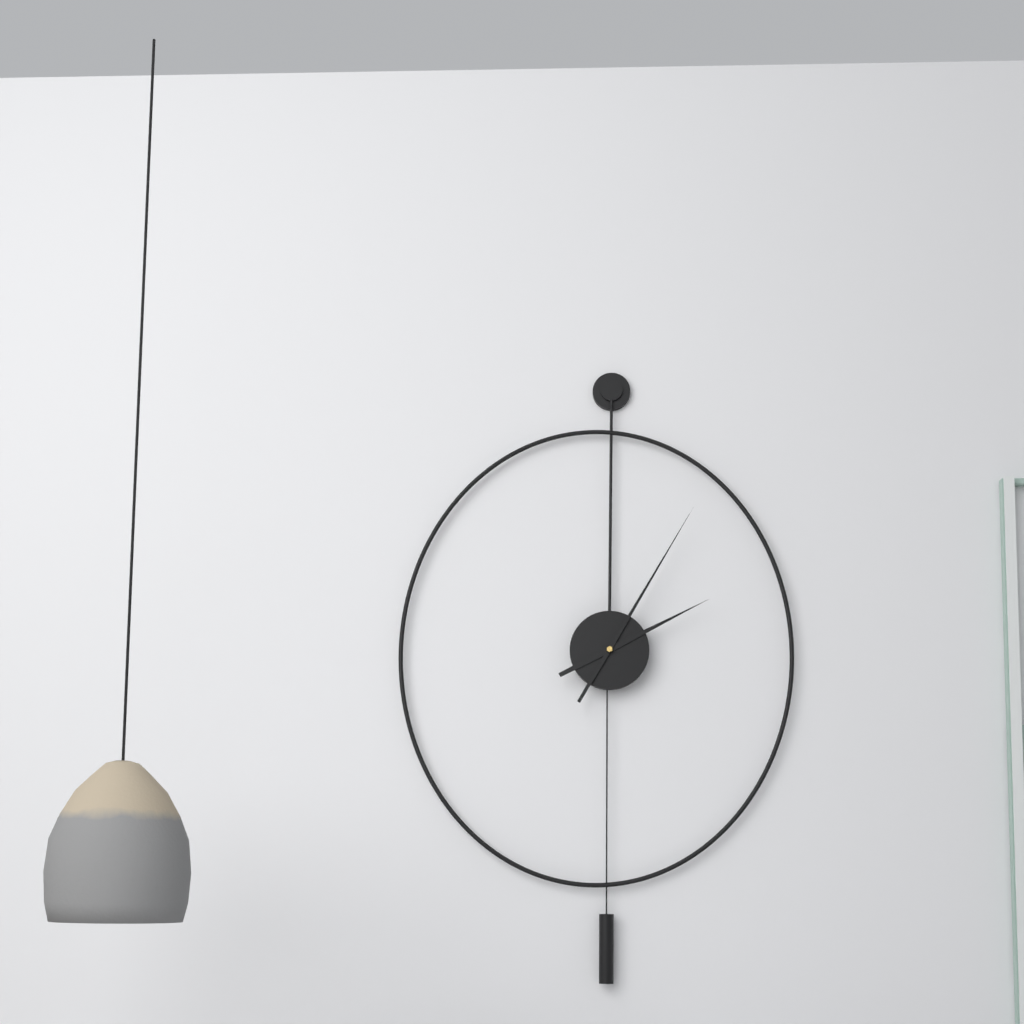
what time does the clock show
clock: 2:05
